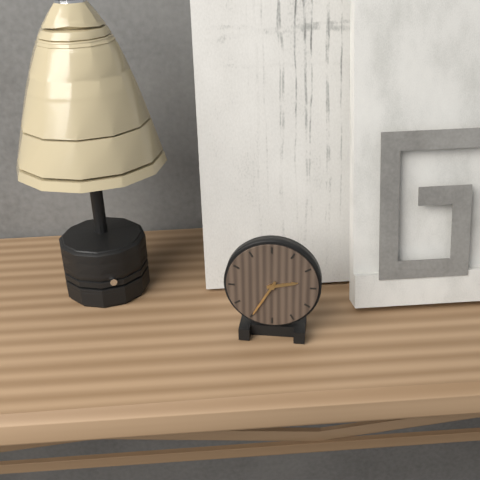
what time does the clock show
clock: 2:35
